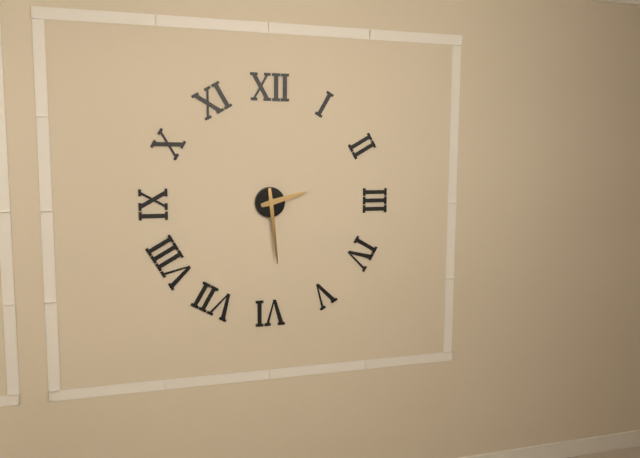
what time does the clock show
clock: 2:29
